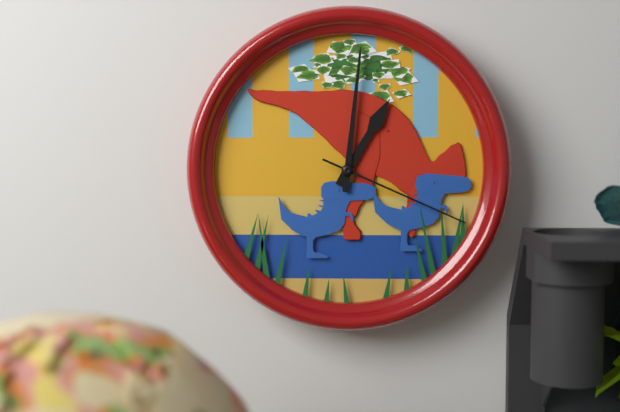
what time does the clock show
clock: 1:01:19
